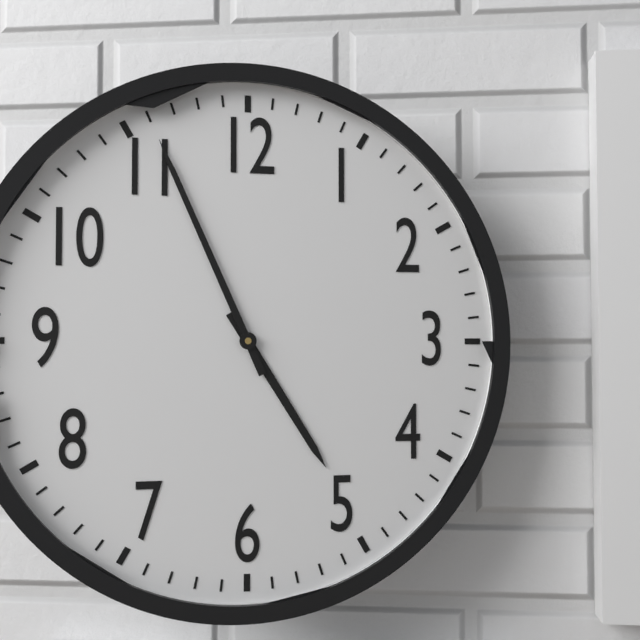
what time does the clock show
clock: 4:56
